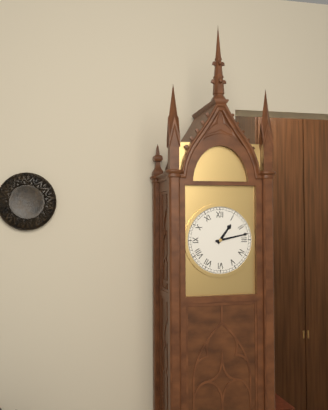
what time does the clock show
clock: 1:13
